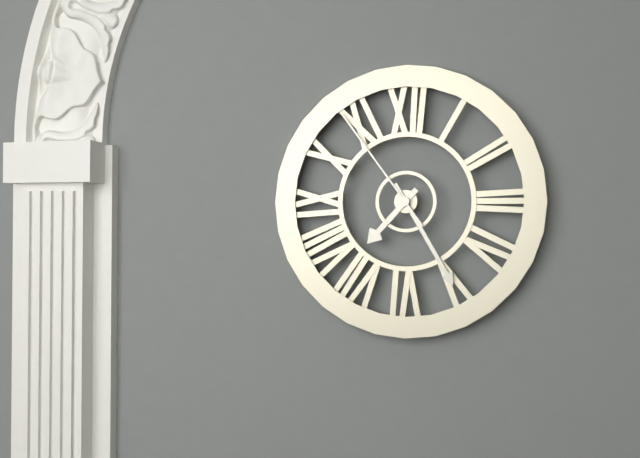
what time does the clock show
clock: 7:25:54
